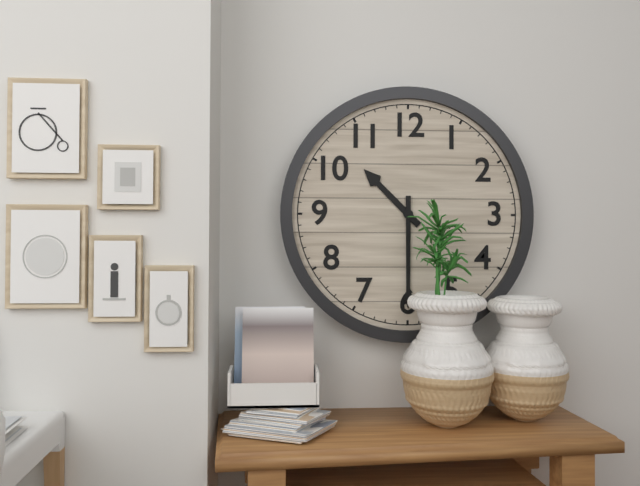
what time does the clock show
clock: 10:30
